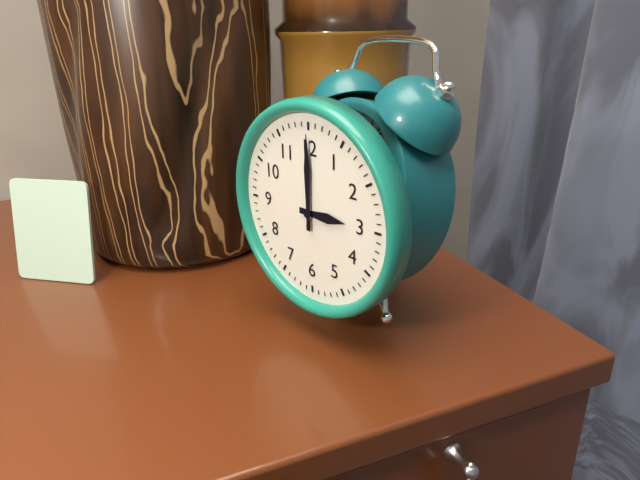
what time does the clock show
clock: 3:00
